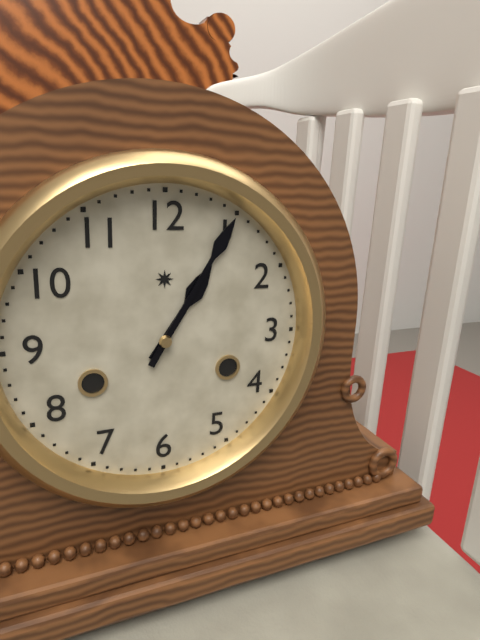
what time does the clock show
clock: 1:05
